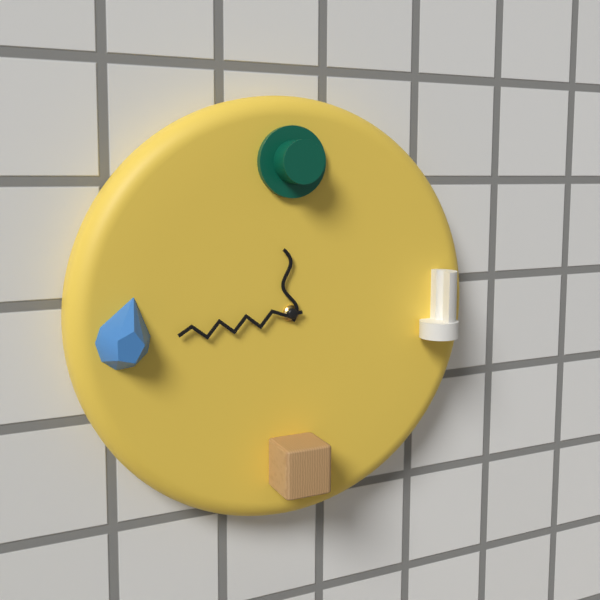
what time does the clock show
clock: 11:44
